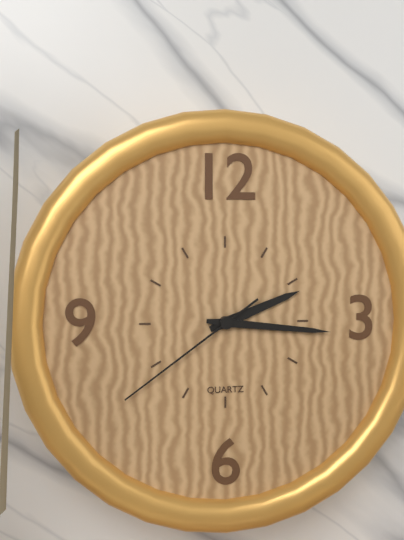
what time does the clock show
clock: 2:16:39
